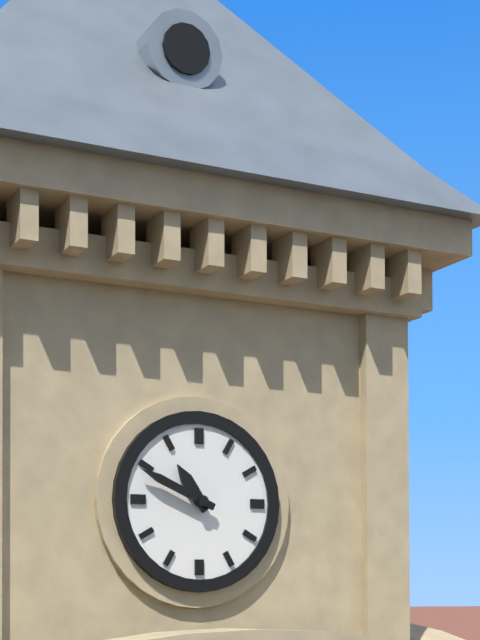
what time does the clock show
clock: 10:49
